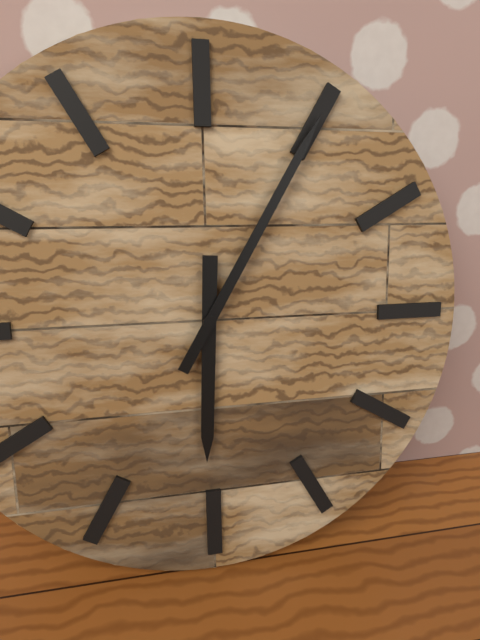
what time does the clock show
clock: 6:05
